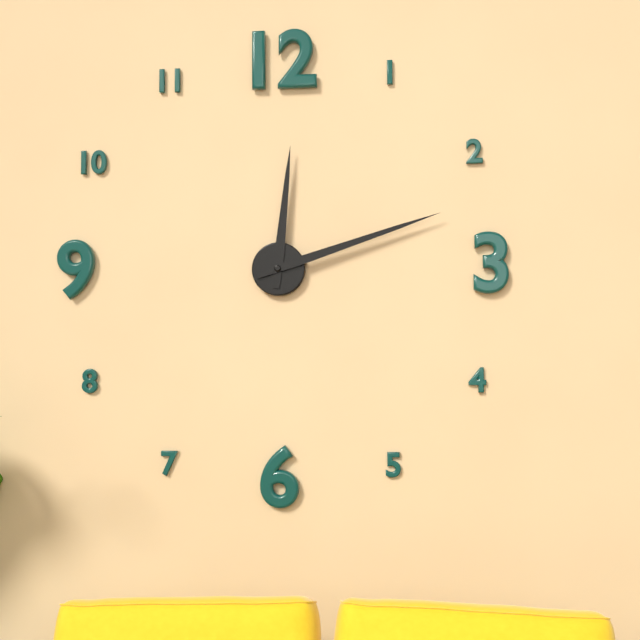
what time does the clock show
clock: 12:12
